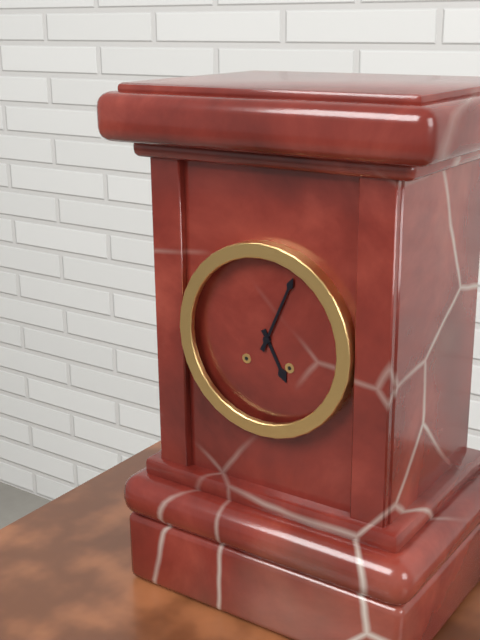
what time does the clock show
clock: 5:04
